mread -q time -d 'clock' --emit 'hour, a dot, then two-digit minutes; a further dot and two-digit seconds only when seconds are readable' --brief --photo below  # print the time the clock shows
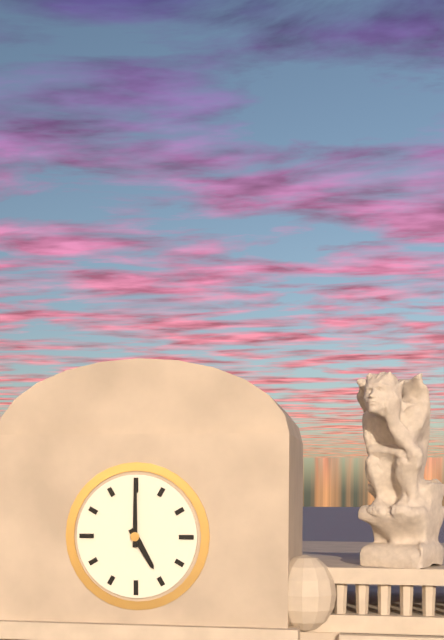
5.00
